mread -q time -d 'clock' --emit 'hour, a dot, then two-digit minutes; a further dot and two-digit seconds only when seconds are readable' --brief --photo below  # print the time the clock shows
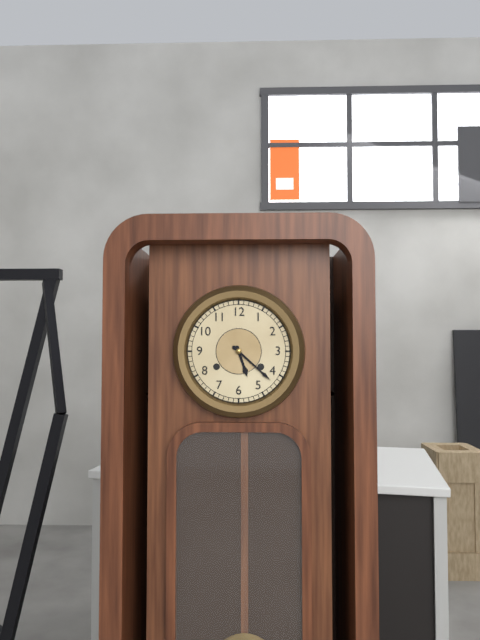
5.22
